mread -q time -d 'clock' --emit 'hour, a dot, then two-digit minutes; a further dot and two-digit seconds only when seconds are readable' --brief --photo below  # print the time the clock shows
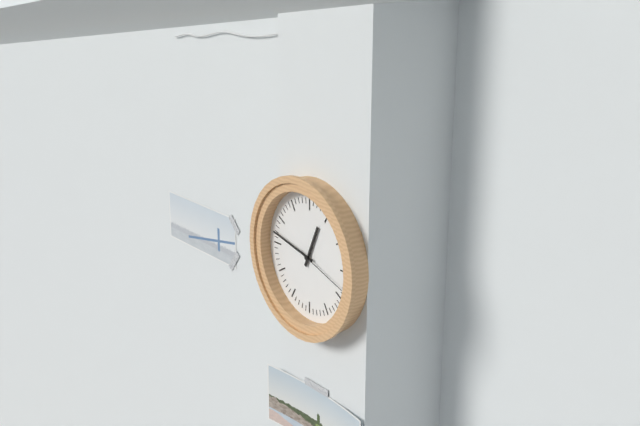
12.47.18
